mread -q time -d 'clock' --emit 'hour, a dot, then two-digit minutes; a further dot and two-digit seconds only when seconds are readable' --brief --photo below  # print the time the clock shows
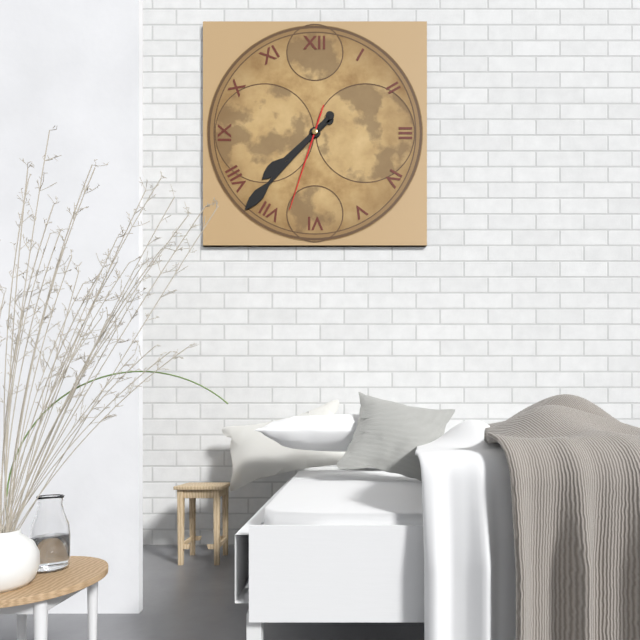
7.37.33
